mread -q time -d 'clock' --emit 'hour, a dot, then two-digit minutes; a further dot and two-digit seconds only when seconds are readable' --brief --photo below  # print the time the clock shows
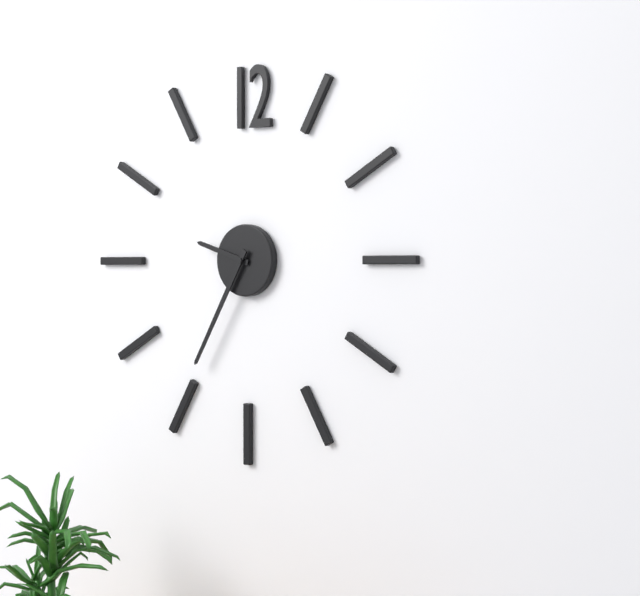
9.35
